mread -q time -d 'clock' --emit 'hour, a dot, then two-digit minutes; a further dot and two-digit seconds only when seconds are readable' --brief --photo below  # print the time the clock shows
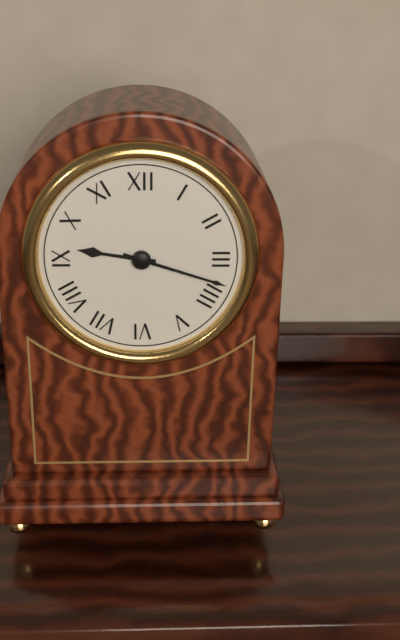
9.18
